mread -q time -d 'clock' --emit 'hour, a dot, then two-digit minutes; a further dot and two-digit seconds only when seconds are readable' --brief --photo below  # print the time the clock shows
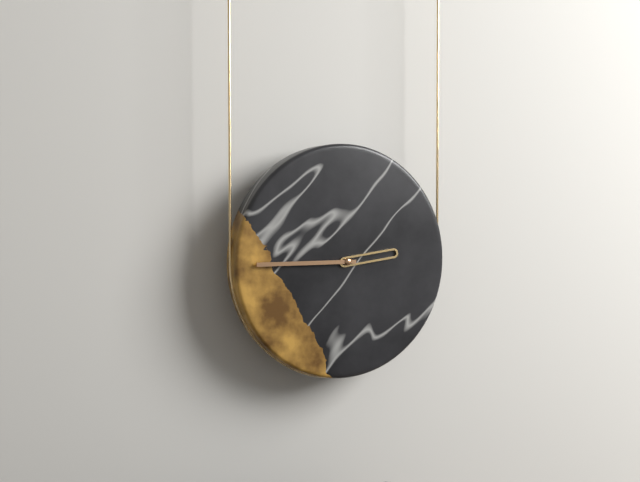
2.45
